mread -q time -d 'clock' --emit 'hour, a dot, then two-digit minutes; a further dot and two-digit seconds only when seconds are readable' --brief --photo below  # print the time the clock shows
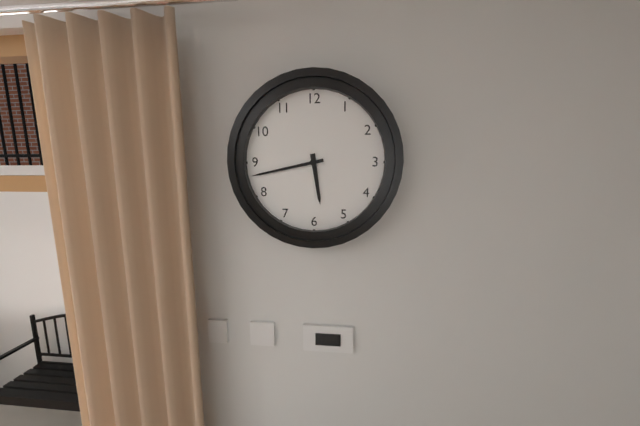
5.43
